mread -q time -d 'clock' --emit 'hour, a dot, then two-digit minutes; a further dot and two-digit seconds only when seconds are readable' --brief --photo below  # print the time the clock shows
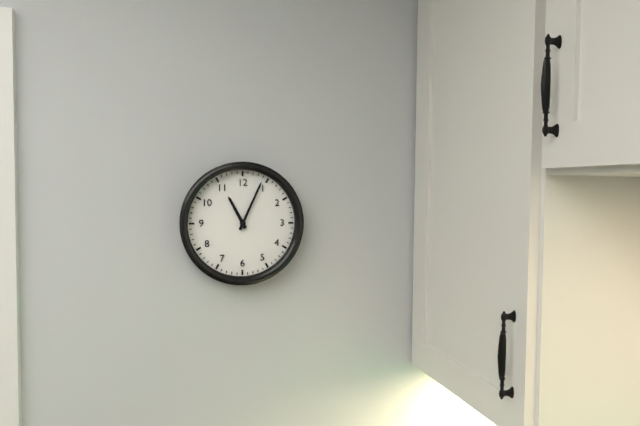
11.04
